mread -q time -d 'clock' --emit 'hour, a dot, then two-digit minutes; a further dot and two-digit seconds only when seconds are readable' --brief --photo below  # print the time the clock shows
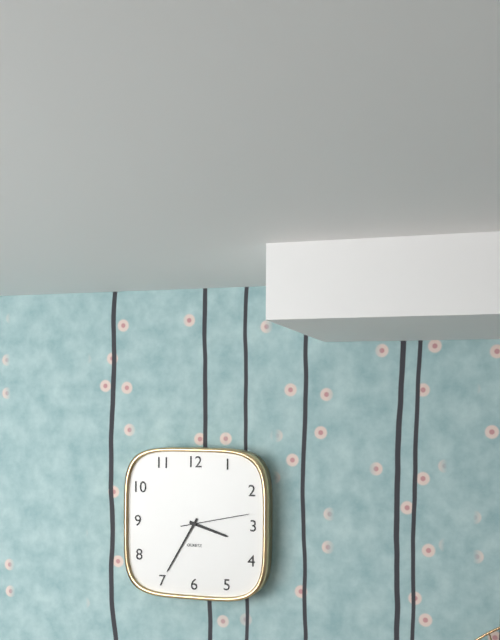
3.35.13
